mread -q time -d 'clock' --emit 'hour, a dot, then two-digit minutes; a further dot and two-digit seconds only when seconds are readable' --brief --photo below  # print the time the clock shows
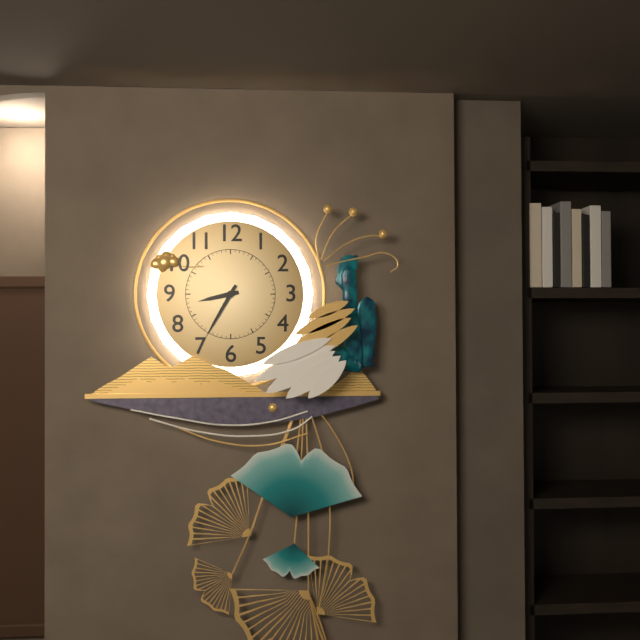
8.35
